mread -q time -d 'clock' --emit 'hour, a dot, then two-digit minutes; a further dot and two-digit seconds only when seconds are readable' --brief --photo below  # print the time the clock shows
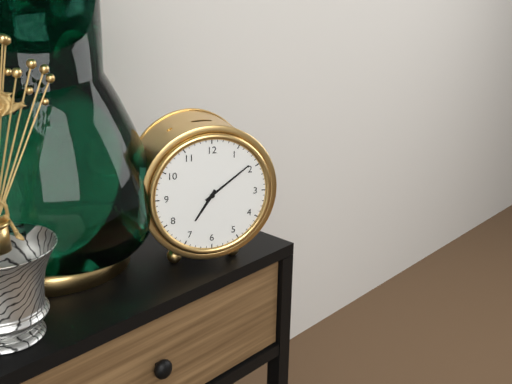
7.09
